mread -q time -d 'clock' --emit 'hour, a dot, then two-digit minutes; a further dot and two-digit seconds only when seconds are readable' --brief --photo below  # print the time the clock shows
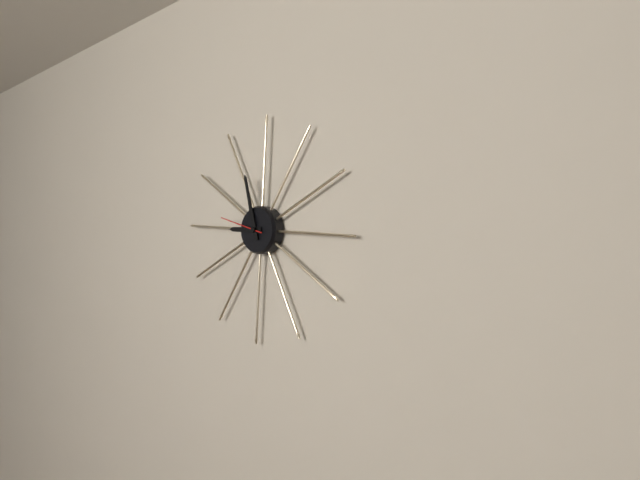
8.57.47
